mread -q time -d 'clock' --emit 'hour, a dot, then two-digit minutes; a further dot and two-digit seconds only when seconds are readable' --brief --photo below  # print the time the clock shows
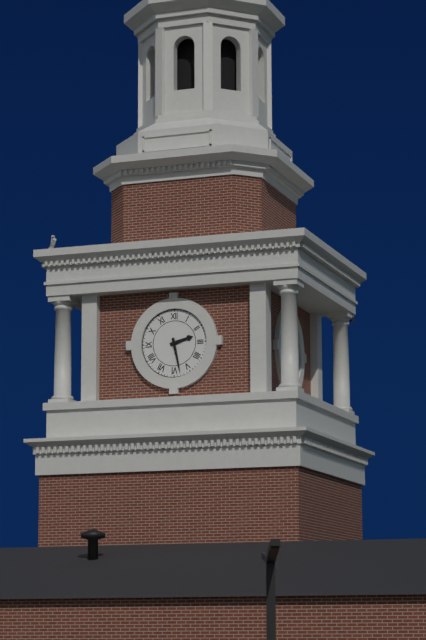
2.28
